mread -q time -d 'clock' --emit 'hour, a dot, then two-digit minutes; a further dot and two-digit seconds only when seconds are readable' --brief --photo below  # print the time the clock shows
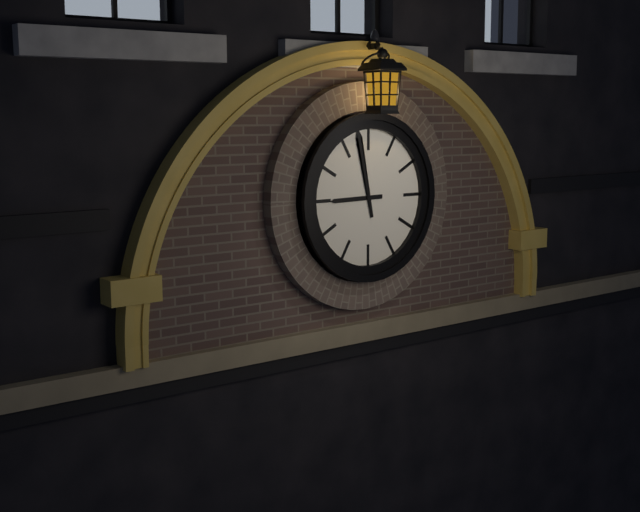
8.58
